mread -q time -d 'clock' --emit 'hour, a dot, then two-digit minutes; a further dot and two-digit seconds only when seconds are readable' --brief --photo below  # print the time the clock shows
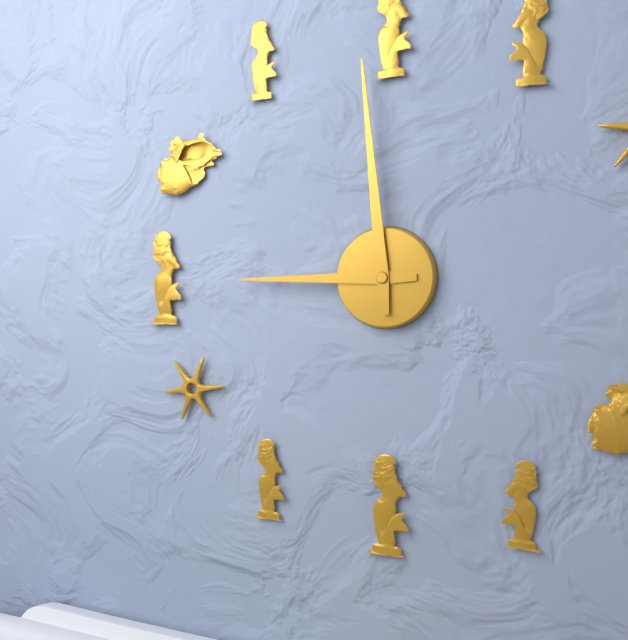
8.59
